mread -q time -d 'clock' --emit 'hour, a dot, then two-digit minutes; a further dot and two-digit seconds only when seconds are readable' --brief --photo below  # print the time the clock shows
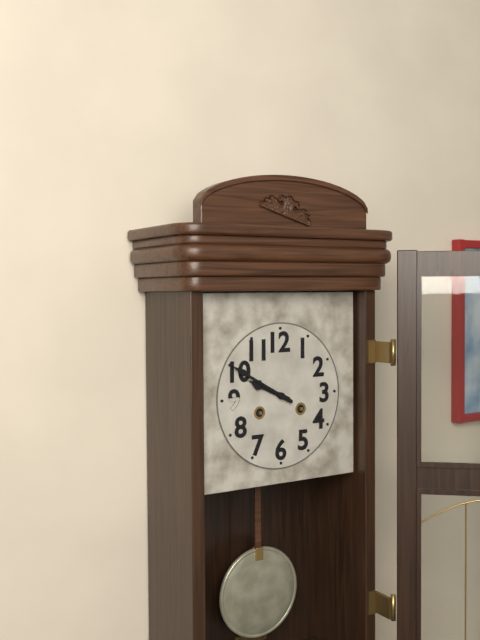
9.50
